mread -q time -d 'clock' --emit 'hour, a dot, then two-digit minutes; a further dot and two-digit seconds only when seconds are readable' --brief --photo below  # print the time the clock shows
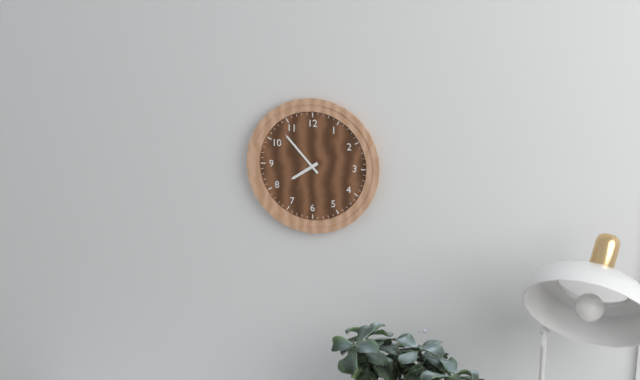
7.53
